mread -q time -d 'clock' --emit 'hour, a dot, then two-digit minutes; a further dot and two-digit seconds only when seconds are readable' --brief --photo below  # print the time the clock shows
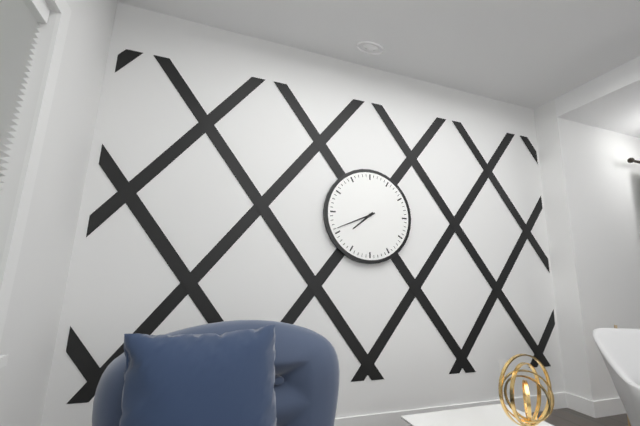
7.41
